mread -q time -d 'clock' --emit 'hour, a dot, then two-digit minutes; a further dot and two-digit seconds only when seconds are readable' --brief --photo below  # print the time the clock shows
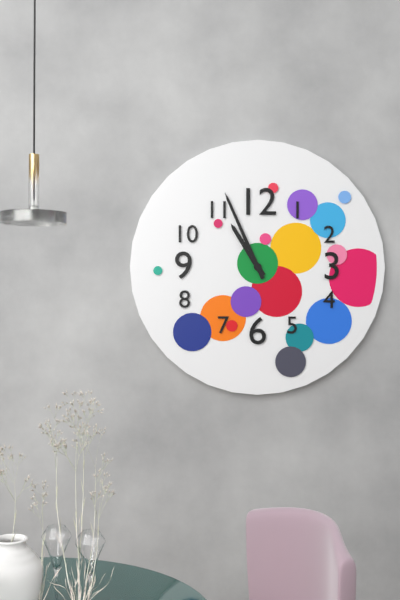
10.56
